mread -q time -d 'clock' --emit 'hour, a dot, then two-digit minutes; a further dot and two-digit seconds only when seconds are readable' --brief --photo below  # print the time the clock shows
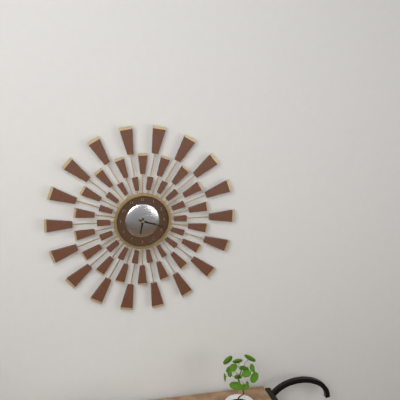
6.18
